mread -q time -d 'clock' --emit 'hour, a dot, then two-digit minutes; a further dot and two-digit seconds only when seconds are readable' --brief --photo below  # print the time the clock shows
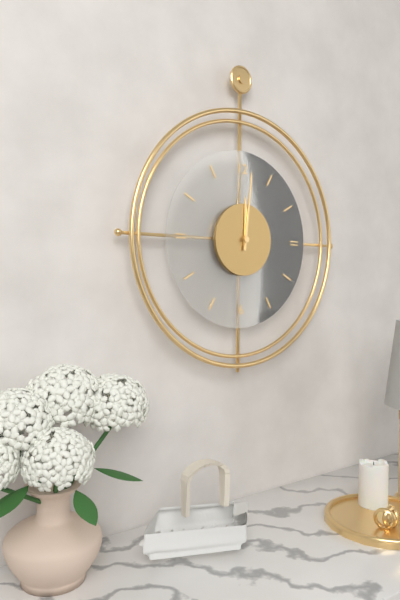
12.01
